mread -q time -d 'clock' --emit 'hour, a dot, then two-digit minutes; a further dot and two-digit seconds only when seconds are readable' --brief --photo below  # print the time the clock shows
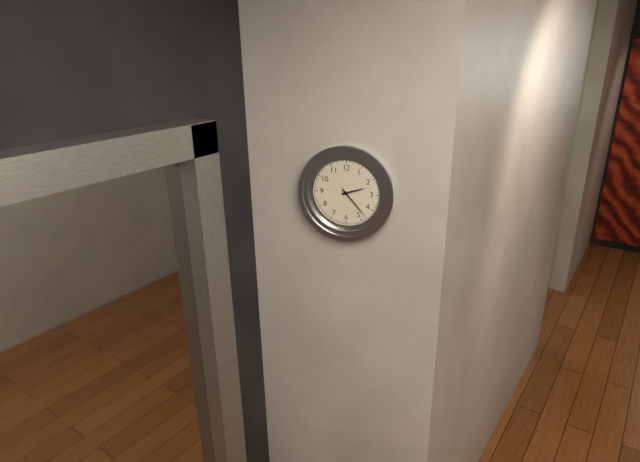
2.23
